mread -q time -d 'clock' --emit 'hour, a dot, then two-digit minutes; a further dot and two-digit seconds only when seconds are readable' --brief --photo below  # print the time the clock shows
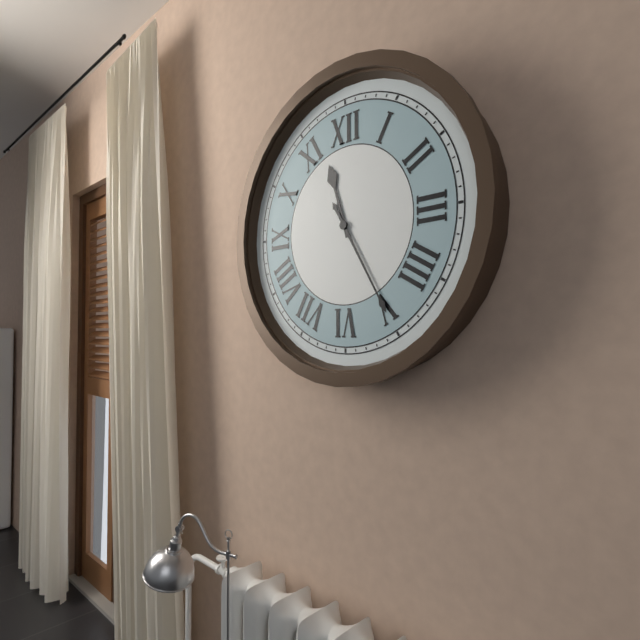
11.25
